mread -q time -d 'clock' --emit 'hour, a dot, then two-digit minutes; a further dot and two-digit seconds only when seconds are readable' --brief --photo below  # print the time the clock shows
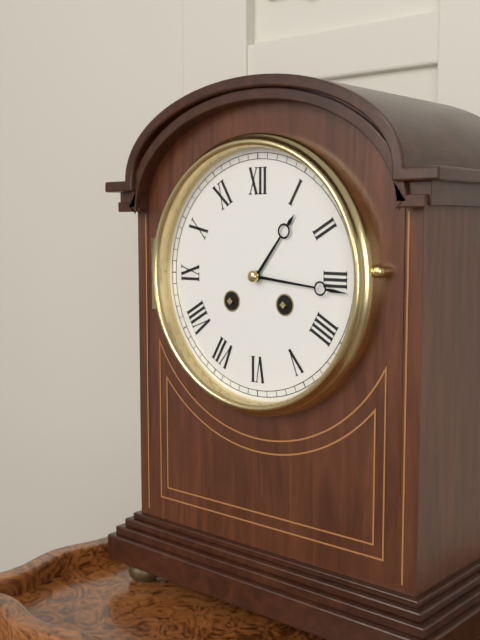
1.16
